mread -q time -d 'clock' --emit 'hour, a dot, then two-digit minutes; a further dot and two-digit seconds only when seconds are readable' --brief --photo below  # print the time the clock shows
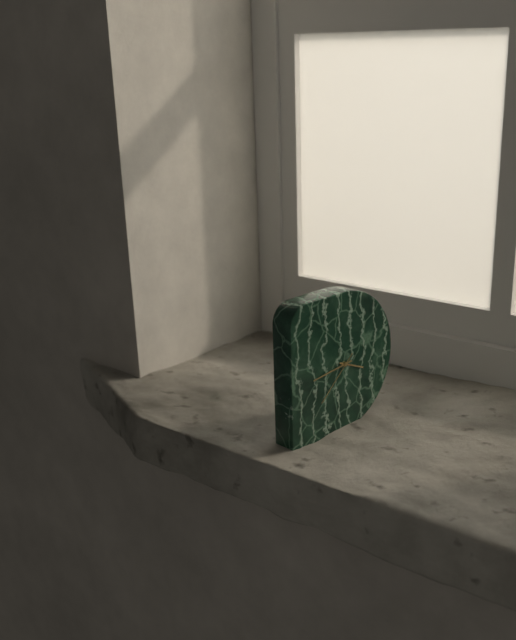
3.44.38
